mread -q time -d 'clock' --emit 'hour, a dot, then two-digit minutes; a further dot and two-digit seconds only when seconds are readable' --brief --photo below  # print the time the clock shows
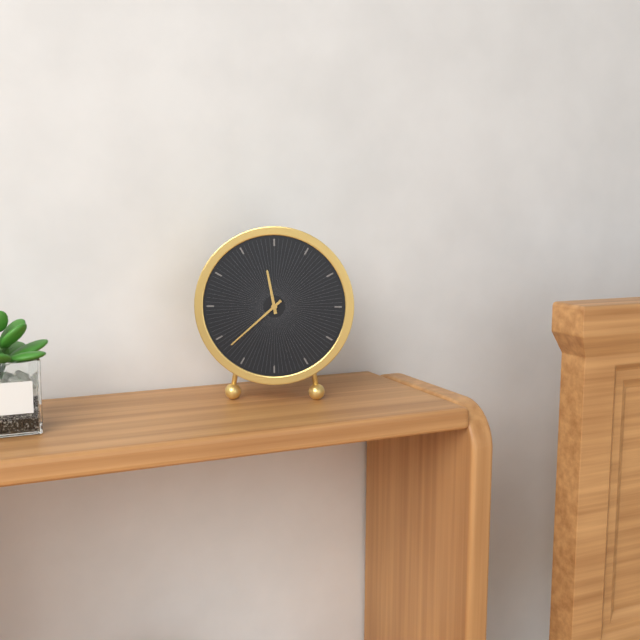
11.38
